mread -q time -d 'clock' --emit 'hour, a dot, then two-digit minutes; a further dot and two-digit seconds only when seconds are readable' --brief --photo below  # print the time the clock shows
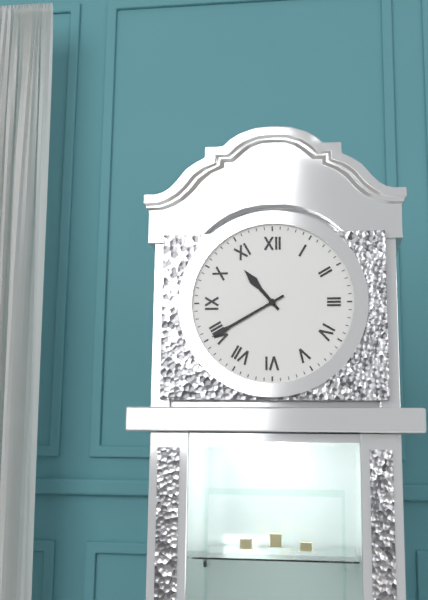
10.40
